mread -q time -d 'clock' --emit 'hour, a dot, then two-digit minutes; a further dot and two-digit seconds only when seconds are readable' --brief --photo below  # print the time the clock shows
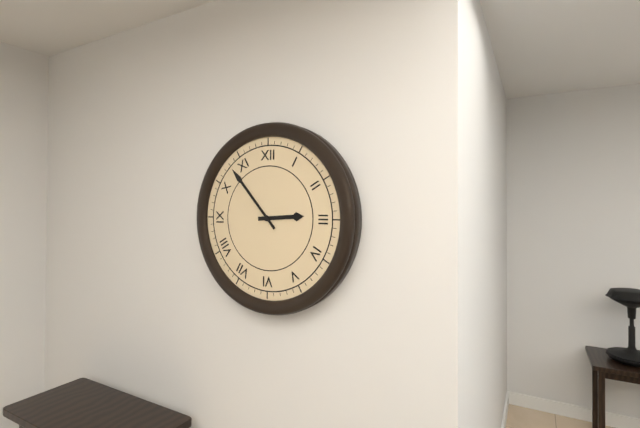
2.53
